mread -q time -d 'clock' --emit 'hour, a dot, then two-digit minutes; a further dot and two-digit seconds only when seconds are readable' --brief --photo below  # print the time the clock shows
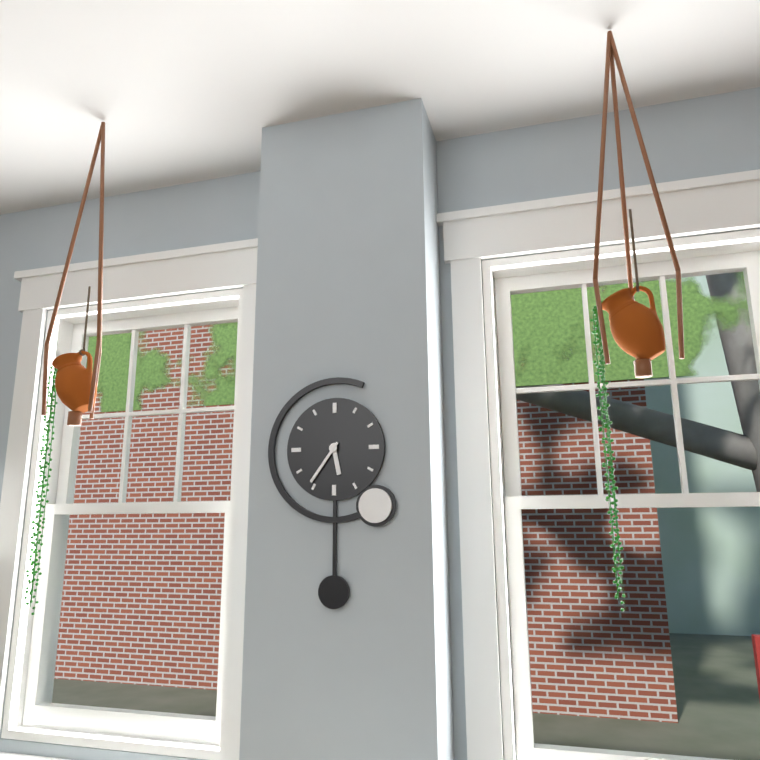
5.36
